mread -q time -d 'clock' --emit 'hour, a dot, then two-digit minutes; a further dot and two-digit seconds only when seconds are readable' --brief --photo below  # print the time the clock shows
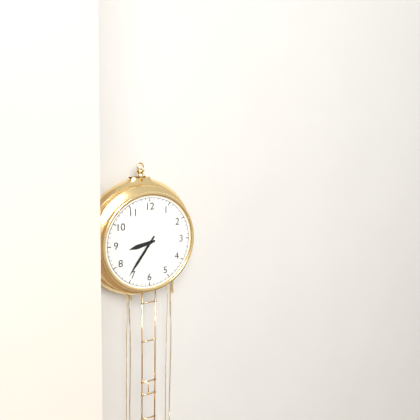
8.36
